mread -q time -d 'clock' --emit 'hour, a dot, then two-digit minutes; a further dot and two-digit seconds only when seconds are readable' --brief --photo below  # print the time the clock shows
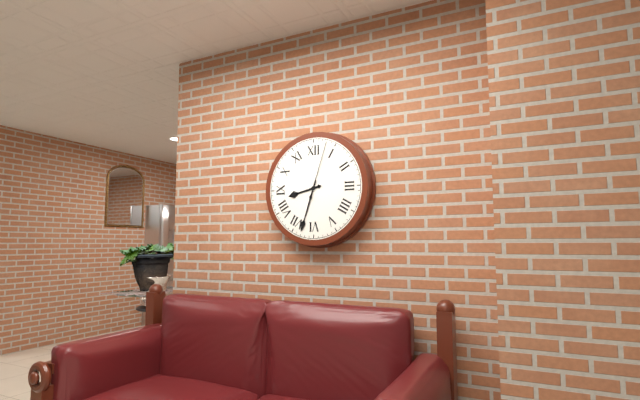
8.33.03
